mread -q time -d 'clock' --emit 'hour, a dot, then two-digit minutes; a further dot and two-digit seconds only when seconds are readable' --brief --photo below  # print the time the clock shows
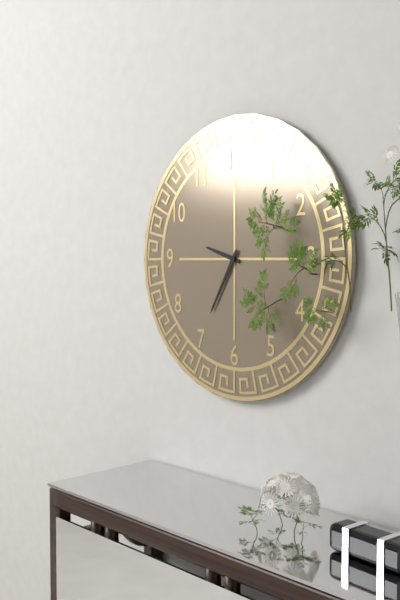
9.35
